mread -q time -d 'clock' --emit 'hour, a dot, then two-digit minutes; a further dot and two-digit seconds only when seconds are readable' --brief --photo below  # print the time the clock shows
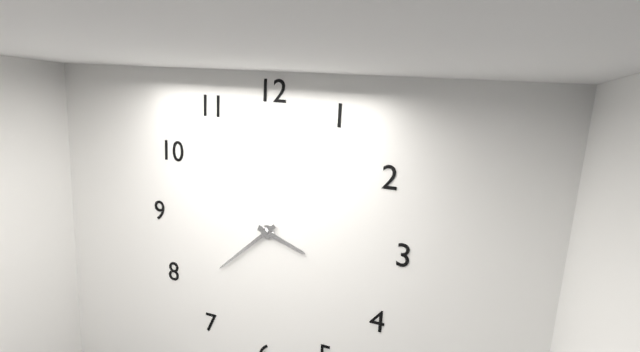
3.38
